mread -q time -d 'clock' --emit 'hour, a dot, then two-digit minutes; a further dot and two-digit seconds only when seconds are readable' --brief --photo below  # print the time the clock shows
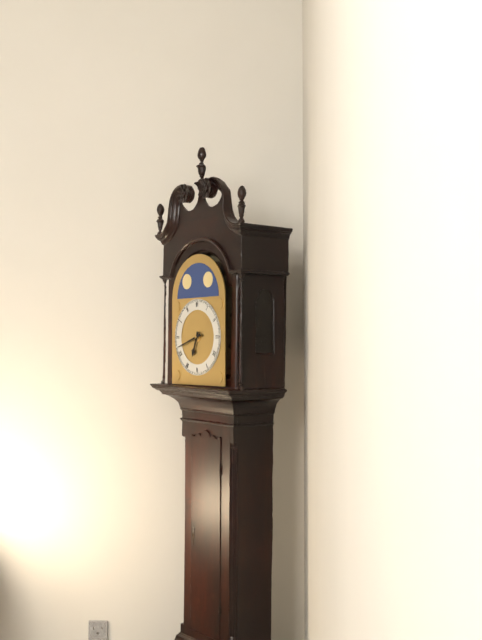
6.42
